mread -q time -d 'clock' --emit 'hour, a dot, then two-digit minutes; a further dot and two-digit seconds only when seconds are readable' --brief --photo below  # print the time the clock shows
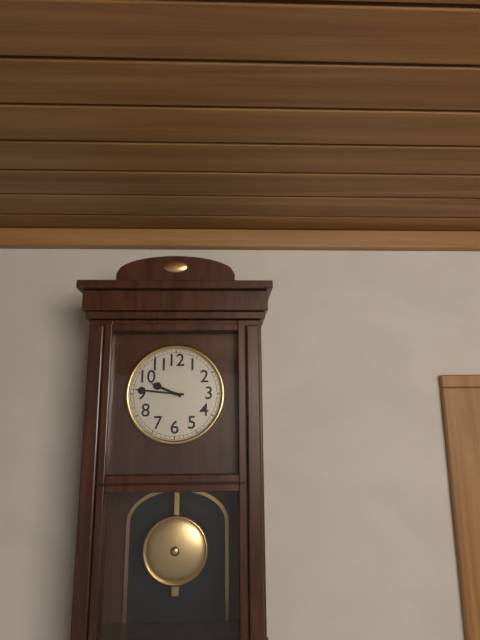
9.46
